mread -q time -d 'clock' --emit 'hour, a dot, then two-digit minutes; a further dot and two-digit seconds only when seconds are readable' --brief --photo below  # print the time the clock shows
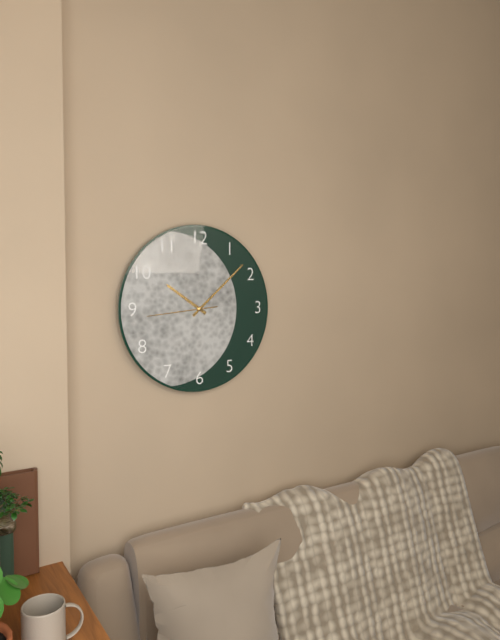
10.08.44
